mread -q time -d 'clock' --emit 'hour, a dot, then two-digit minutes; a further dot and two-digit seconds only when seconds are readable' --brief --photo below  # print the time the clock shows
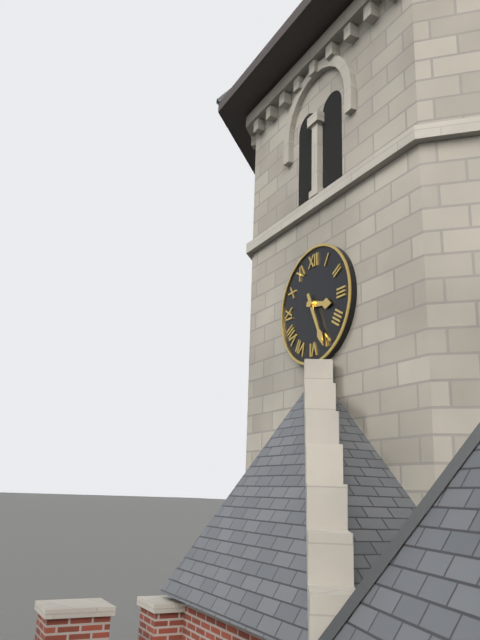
3.26
